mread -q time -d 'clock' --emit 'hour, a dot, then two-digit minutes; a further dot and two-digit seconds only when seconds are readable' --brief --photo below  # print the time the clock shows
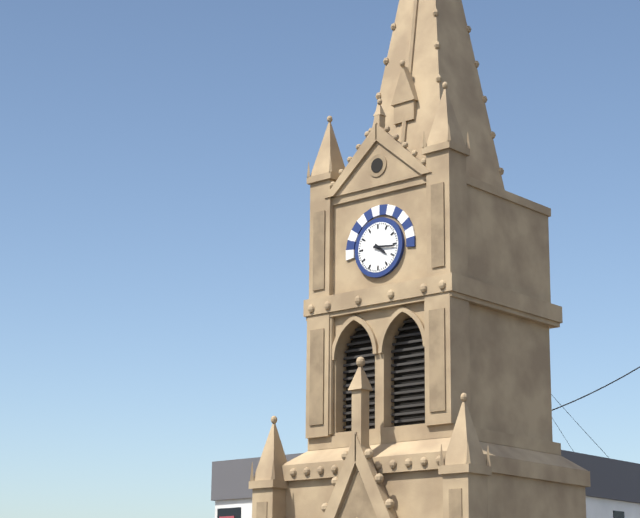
4.16
